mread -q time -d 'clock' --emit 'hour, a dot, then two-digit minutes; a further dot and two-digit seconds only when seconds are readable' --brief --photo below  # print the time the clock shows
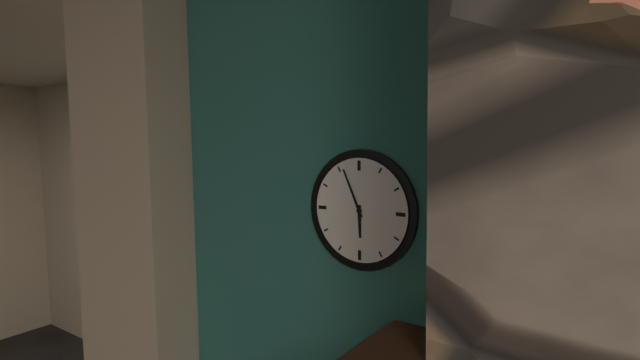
5.56
